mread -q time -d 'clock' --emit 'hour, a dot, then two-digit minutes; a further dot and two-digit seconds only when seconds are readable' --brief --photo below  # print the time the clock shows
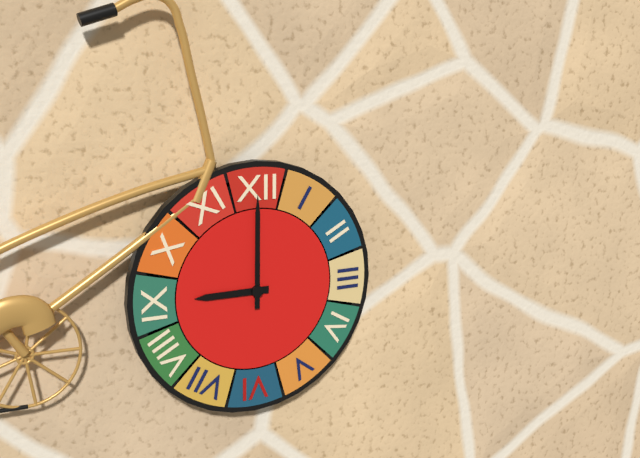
9.00
